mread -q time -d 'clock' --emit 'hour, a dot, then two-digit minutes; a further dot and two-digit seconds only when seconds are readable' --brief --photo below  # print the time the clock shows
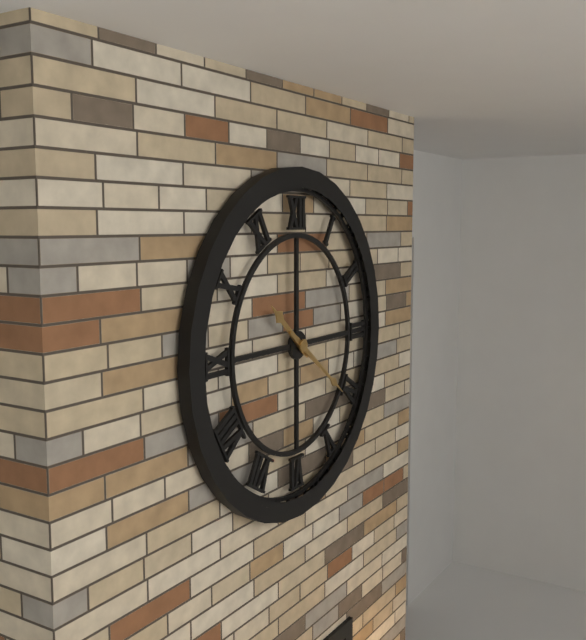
10.21
